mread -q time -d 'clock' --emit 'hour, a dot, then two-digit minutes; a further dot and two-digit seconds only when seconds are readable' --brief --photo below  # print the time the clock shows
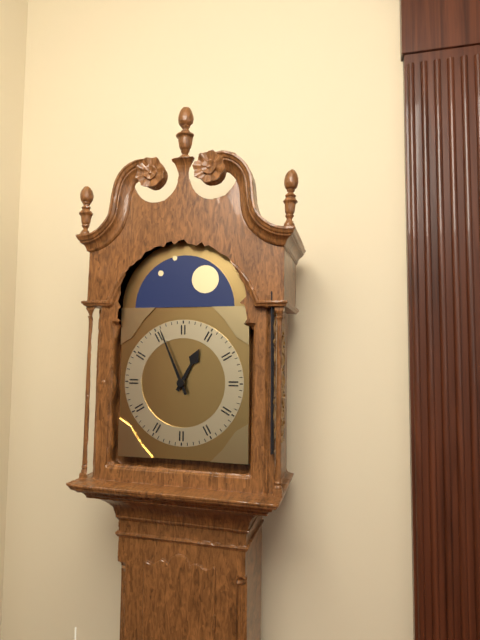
12.56
